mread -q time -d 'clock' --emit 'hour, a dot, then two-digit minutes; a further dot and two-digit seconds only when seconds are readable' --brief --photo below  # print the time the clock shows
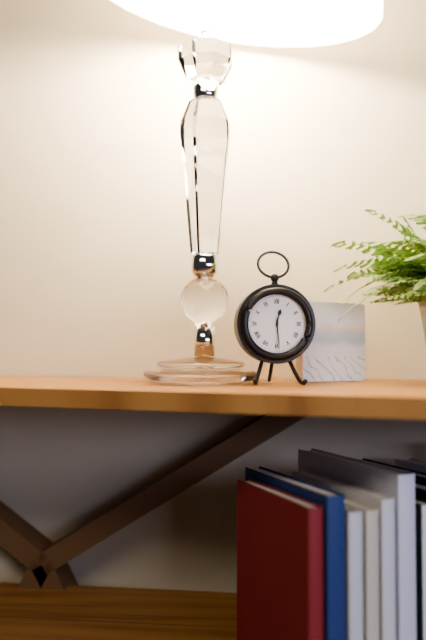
12.29
